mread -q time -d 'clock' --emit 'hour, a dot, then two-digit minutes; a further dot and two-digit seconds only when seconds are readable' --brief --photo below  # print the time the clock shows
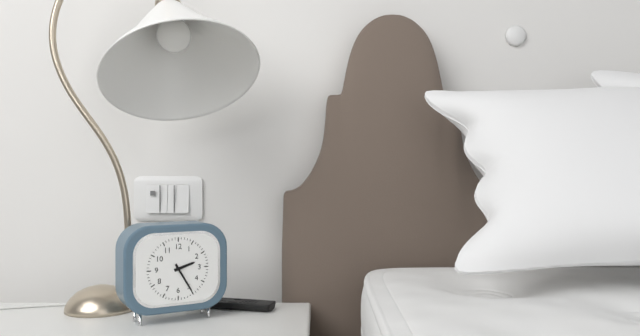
2.25
